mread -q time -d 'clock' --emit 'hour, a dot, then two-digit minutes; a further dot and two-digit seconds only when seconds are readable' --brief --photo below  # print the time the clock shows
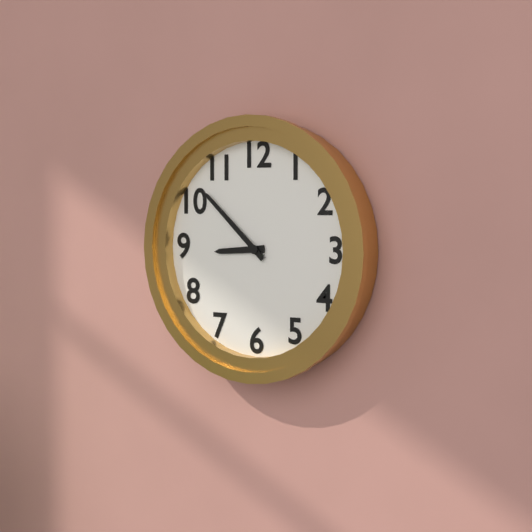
8.52
